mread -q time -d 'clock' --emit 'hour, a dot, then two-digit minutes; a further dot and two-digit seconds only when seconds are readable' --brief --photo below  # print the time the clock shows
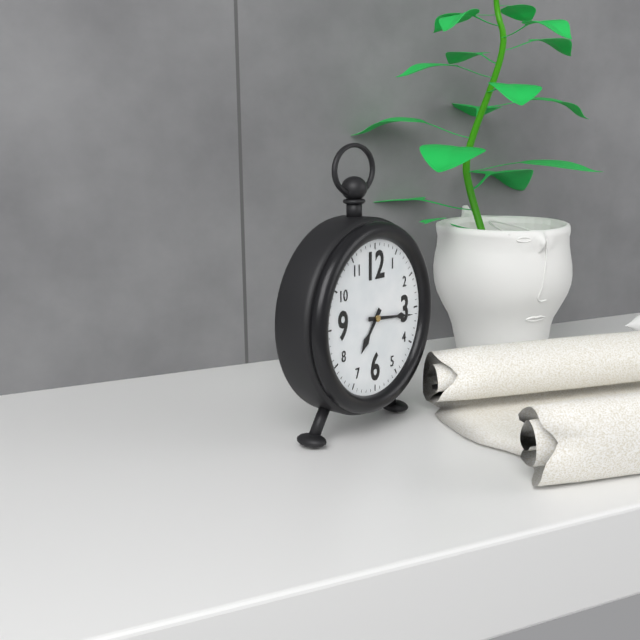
7.16
